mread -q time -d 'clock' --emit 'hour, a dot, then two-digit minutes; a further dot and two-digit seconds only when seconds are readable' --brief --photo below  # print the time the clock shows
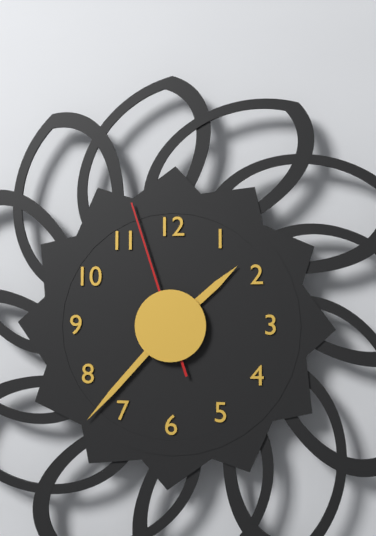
1.37.57
